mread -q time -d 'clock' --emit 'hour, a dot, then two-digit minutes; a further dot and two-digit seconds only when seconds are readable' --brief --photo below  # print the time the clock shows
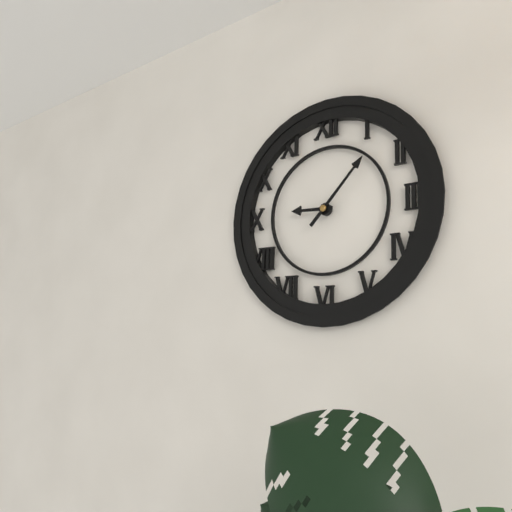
9.07
